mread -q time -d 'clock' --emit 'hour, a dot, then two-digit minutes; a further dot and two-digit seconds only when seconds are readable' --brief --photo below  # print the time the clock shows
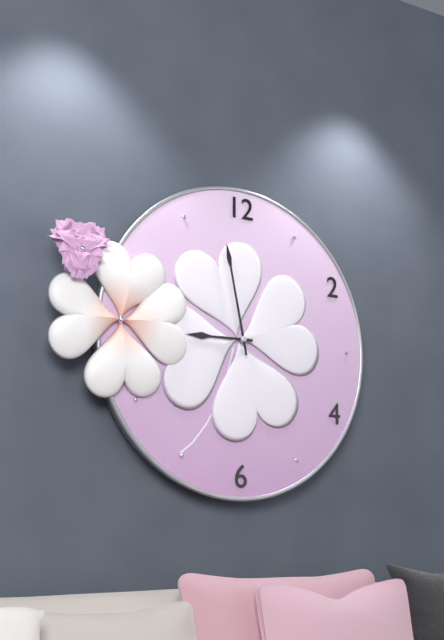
8.58
